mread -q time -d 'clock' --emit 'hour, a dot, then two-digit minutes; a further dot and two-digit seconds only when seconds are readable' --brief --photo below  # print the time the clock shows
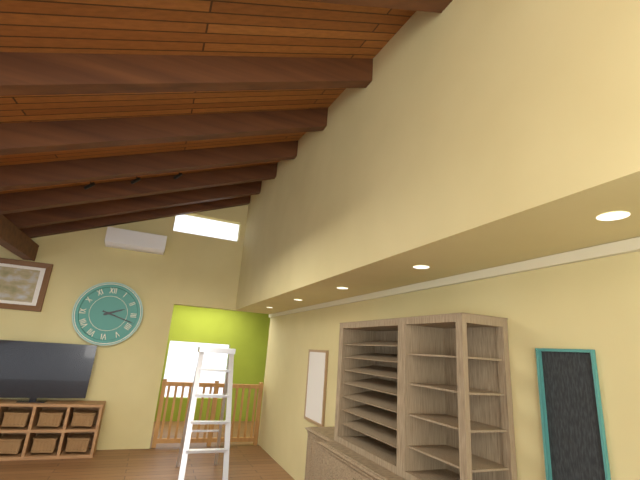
2.18
